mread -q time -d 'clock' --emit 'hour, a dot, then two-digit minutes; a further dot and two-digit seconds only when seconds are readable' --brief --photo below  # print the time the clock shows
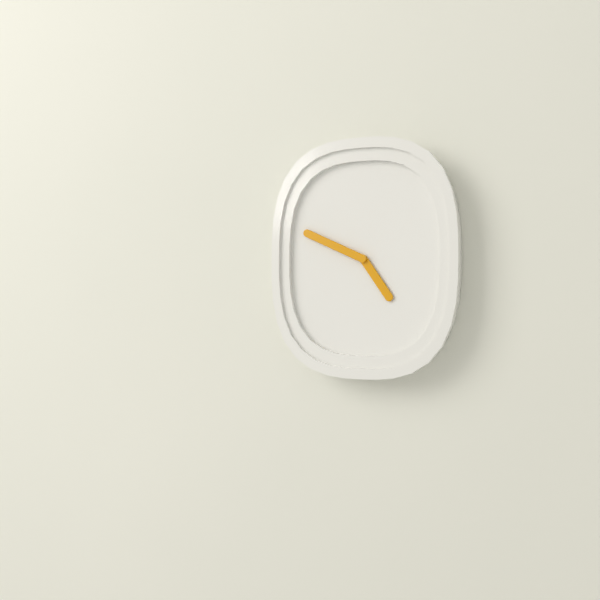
4.49
